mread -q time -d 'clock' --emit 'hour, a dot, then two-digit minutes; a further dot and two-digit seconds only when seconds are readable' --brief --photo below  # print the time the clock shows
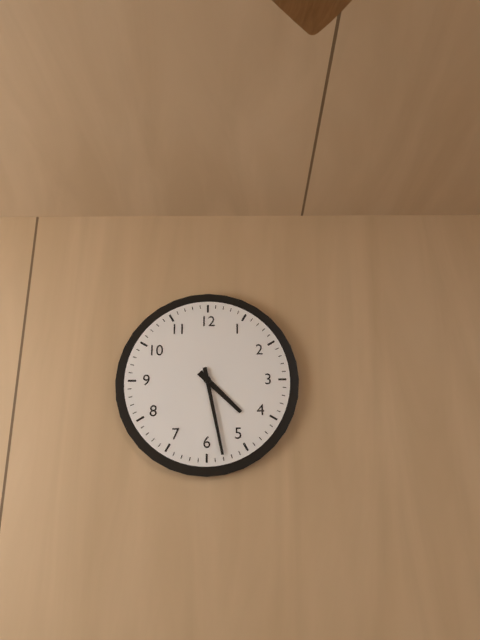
4.28
